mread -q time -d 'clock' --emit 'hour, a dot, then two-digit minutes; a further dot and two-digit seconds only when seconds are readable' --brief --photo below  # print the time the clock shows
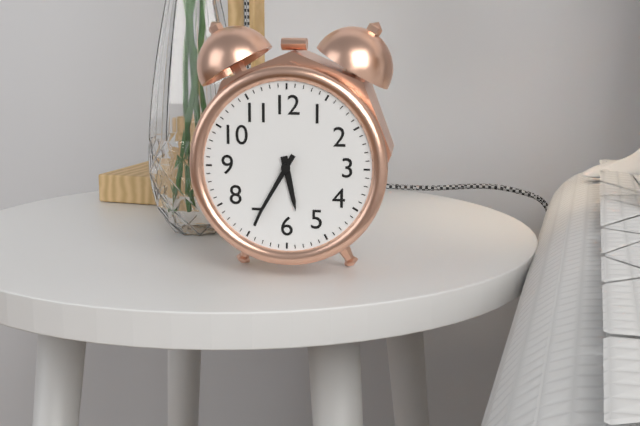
5.35
